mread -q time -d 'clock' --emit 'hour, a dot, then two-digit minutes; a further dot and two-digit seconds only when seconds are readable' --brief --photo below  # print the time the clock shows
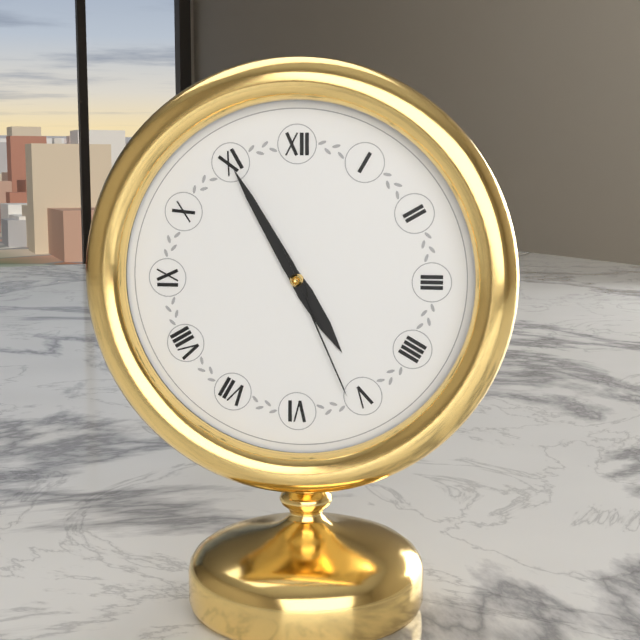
4.55.26
